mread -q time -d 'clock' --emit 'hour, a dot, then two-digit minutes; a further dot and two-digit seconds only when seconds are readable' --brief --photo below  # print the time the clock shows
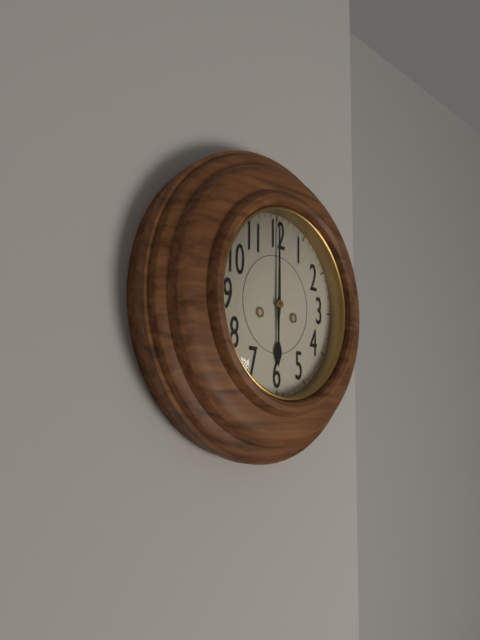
6.00
